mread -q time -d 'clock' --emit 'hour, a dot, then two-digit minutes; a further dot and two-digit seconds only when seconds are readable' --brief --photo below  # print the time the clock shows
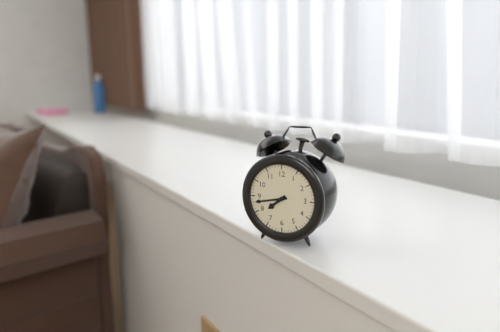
7.43
